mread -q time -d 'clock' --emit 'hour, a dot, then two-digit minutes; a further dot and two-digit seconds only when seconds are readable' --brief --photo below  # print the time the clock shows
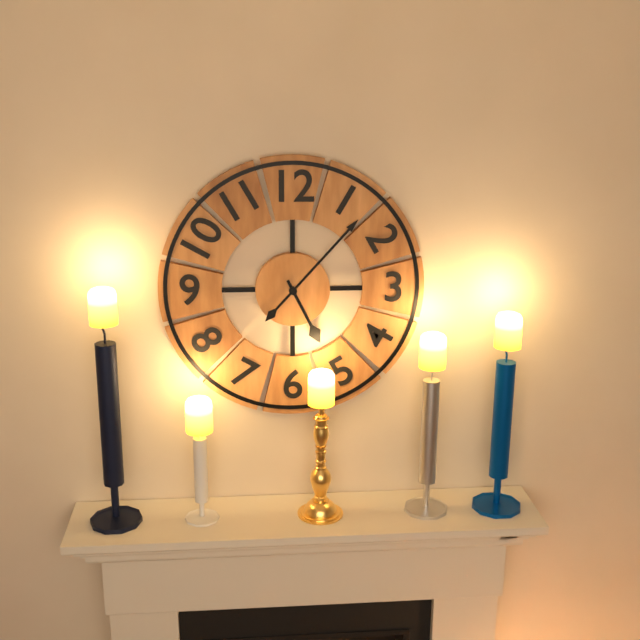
5.07
